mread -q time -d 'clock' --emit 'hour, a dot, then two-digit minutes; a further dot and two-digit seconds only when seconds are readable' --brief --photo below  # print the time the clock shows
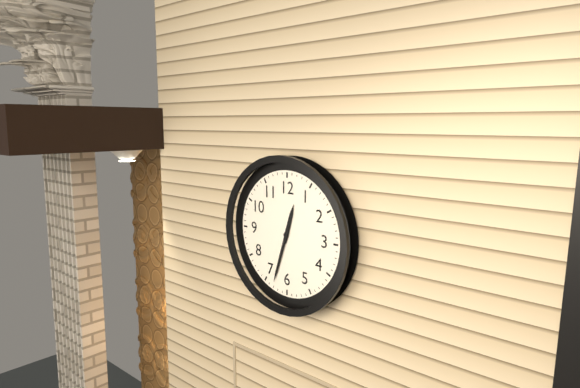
12.33
